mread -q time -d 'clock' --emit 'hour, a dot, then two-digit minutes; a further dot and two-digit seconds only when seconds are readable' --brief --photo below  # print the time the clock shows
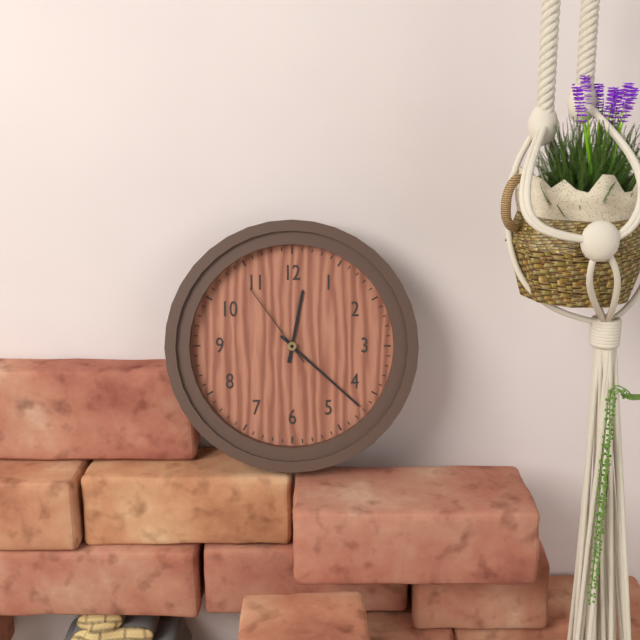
12.22.54
